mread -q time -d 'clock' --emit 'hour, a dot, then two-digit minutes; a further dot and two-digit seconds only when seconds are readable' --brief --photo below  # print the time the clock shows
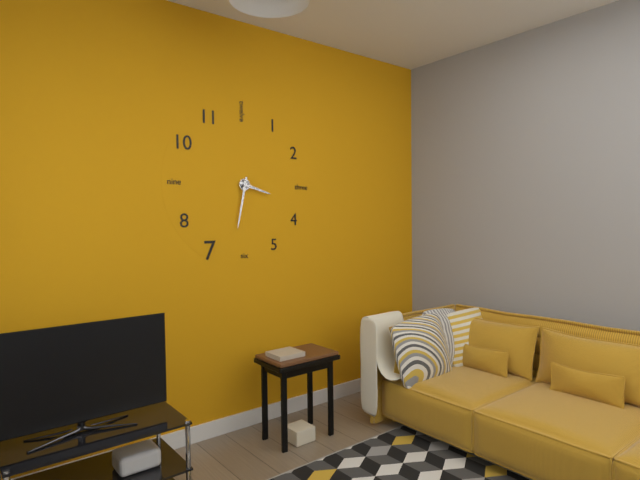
3.32
